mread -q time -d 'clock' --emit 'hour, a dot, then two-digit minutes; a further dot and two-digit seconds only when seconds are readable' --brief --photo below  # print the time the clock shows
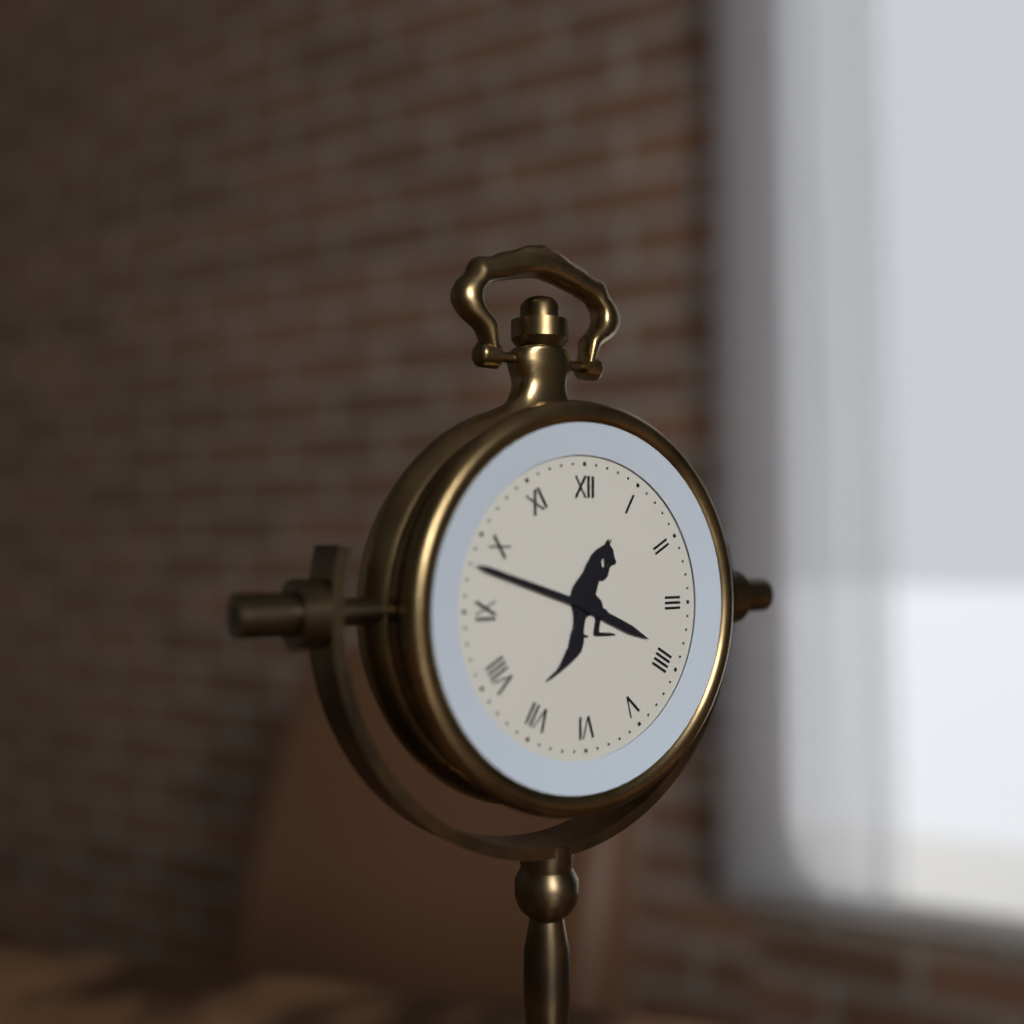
3.48
